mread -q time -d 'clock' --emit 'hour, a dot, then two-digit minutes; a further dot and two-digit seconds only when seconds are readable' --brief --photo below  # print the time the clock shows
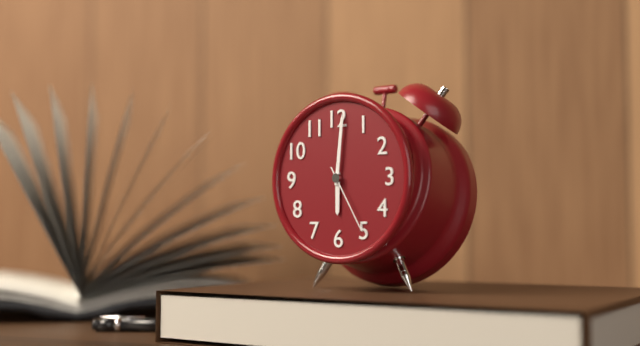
6.01.25
